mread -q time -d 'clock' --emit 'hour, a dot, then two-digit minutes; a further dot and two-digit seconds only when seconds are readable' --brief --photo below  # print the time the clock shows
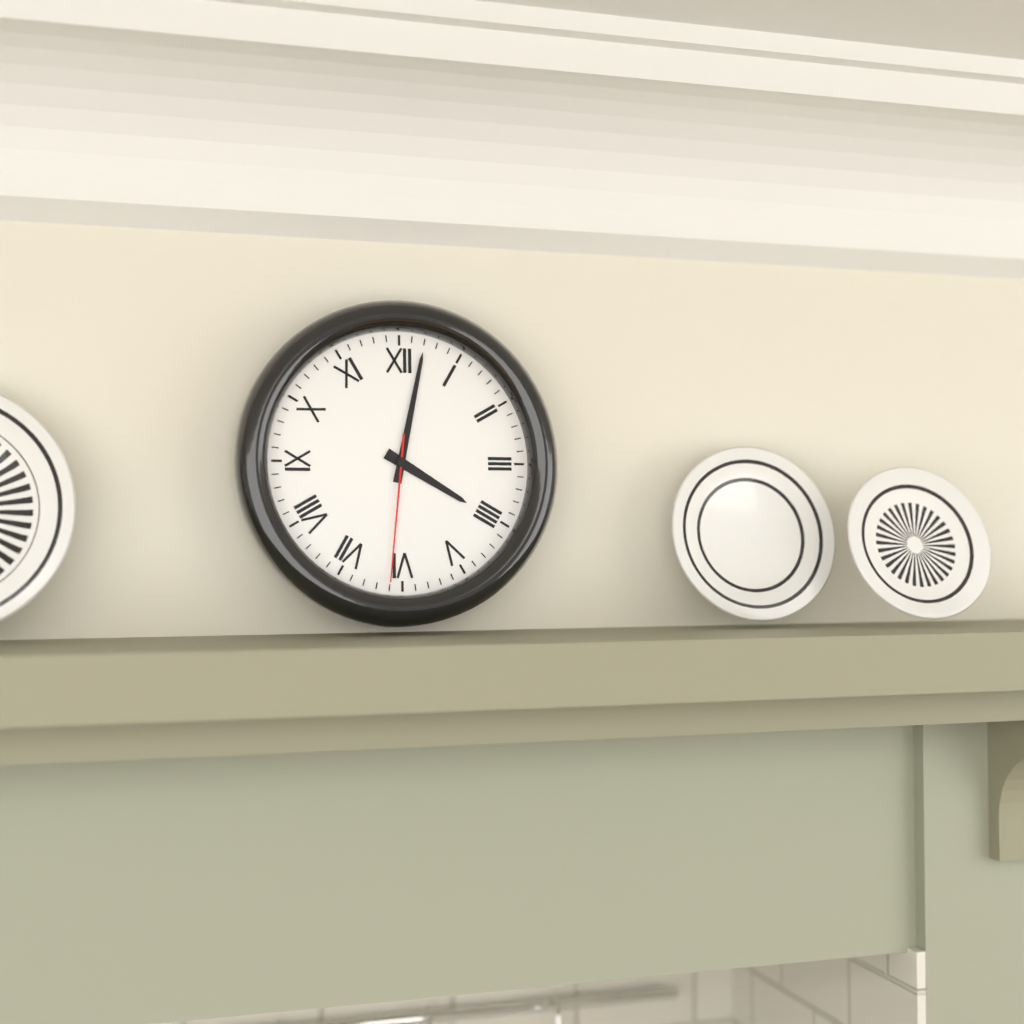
4.02.31
